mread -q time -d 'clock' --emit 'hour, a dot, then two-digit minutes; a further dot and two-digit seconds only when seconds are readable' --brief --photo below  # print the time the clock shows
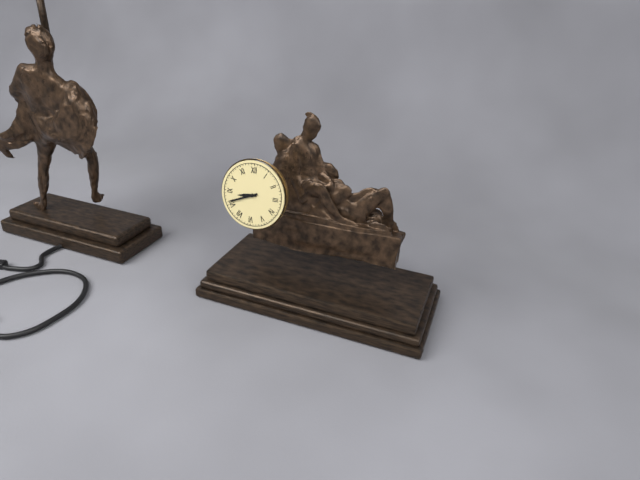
8.41
